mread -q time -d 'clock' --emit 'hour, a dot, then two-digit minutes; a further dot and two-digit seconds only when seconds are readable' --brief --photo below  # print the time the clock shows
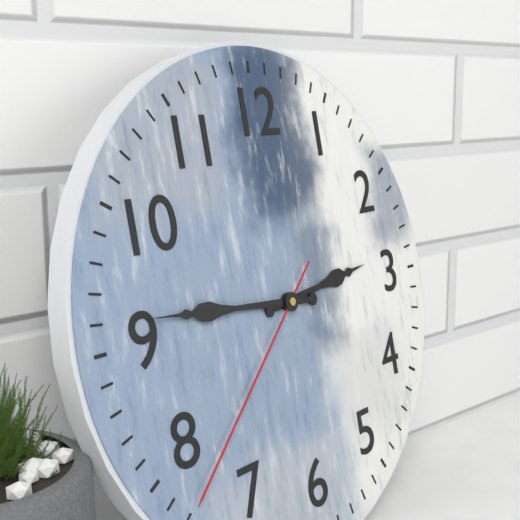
2.46.38
